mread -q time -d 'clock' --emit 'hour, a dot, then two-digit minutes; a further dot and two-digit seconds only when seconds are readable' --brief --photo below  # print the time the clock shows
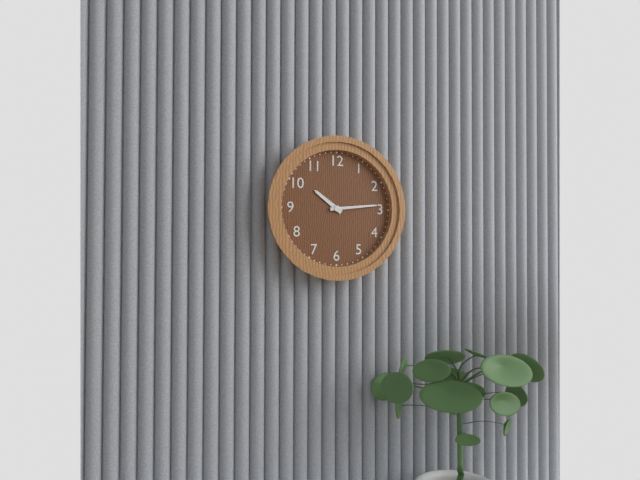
10.14
